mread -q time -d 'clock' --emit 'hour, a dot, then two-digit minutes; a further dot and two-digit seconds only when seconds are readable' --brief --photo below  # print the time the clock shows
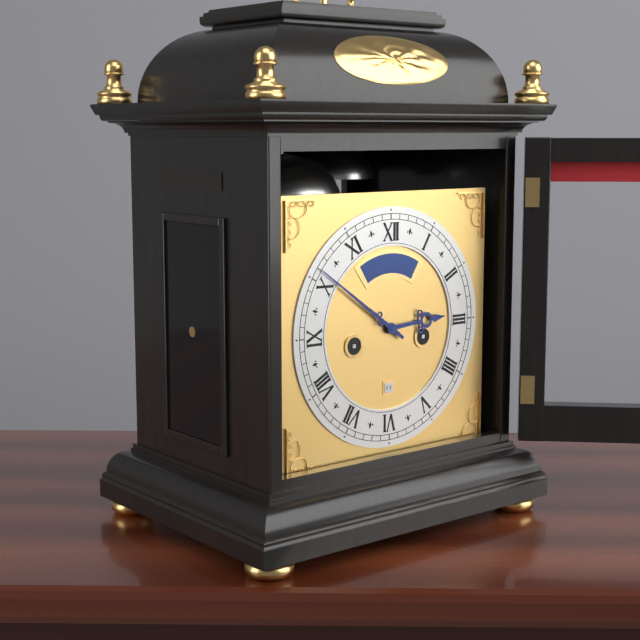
2.51
